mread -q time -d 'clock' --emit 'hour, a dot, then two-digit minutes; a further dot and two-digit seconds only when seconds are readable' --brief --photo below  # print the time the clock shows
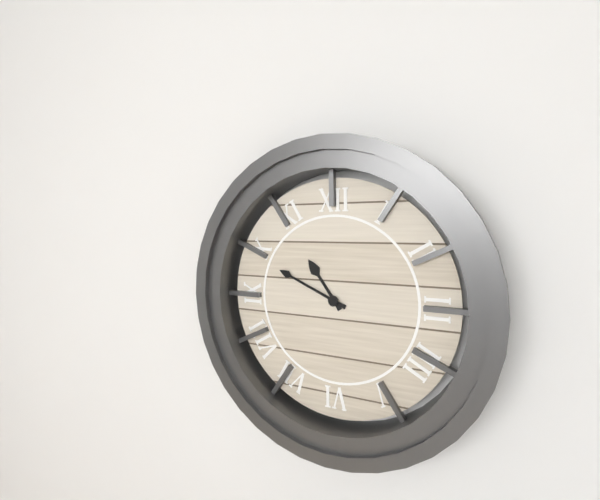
10.49
